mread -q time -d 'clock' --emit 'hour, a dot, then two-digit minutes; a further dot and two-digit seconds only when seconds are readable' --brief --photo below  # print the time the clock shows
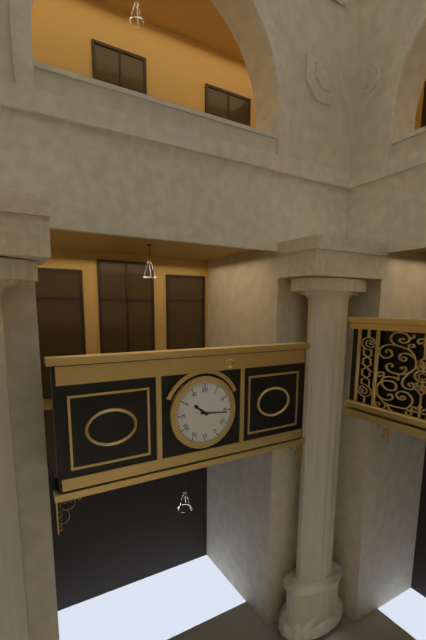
10.16
